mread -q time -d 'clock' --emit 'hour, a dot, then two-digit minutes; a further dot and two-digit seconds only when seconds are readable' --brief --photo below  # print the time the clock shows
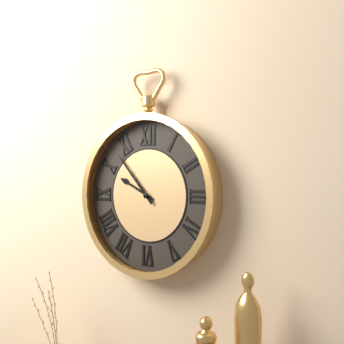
9.53
